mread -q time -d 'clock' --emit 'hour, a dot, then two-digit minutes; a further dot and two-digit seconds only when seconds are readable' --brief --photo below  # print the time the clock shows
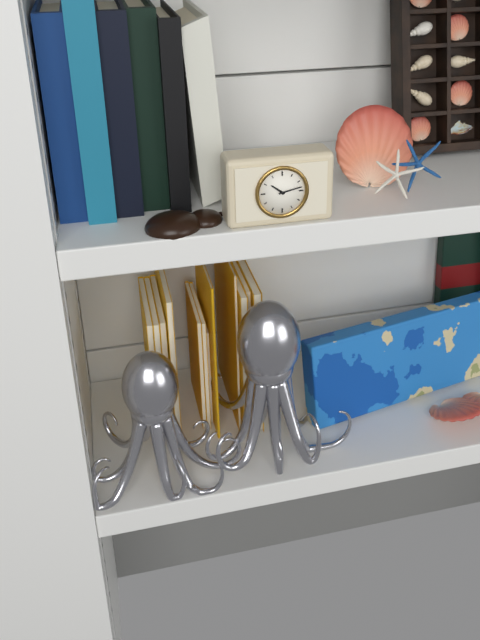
10.13
